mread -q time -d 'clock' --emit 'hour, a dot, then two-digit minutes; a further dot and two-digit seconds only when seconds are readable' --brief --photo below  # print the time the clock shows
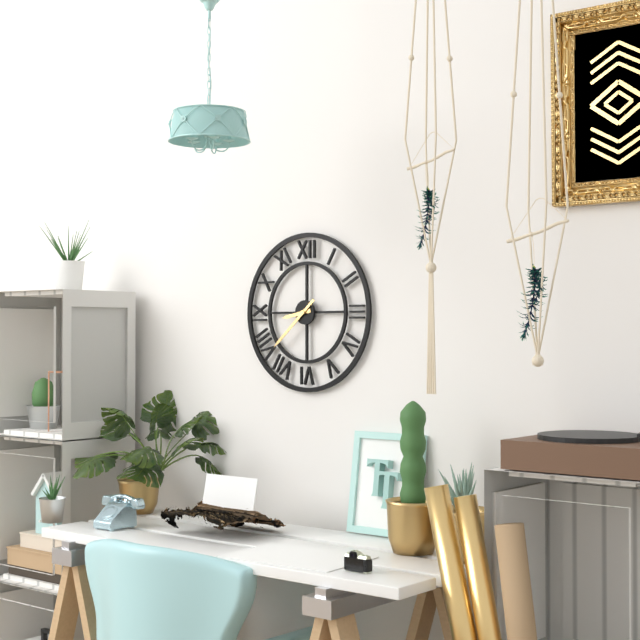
8.38
